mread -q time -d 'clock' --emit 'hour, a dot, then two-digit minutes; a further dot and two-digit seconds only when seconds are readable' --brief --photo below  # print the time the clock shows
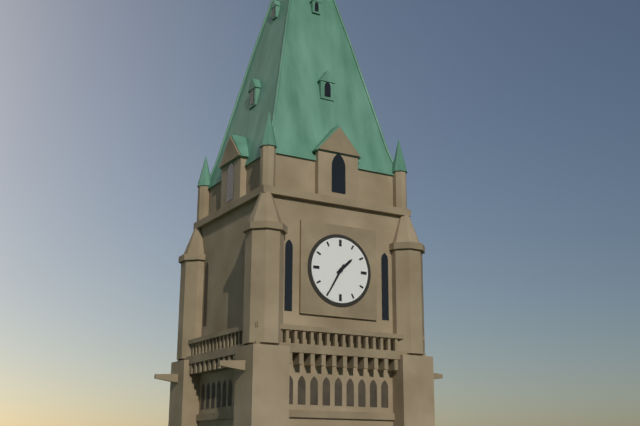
1.35
